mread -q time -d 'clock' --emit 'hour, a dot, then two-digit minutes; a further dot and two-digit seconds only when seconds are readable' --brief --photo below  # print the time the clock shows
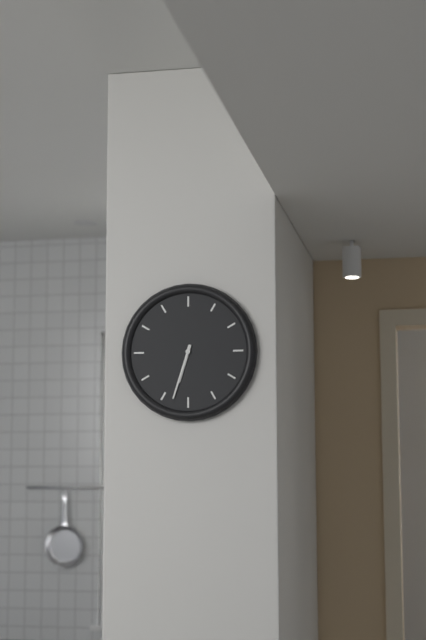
6.33
